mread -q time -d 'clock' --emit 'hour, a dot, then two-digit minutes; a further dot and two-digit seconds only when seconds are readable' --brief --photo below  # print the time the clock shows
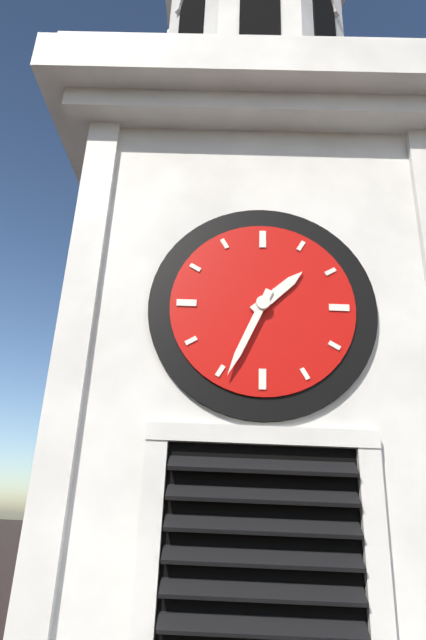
1.34
